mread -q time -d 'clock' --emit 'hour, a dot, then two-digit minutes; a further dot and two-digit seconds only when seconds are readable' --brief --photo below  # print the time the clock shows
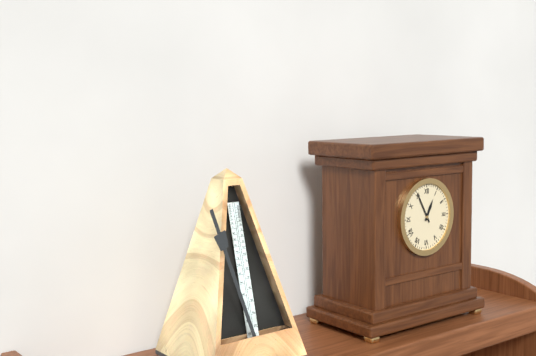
12.55
